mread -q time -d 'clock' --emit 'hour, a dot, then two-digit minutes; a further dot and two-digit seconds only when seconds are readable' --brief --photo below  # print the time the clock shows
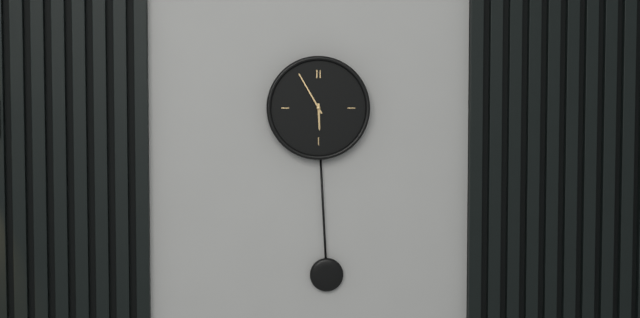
5.55
